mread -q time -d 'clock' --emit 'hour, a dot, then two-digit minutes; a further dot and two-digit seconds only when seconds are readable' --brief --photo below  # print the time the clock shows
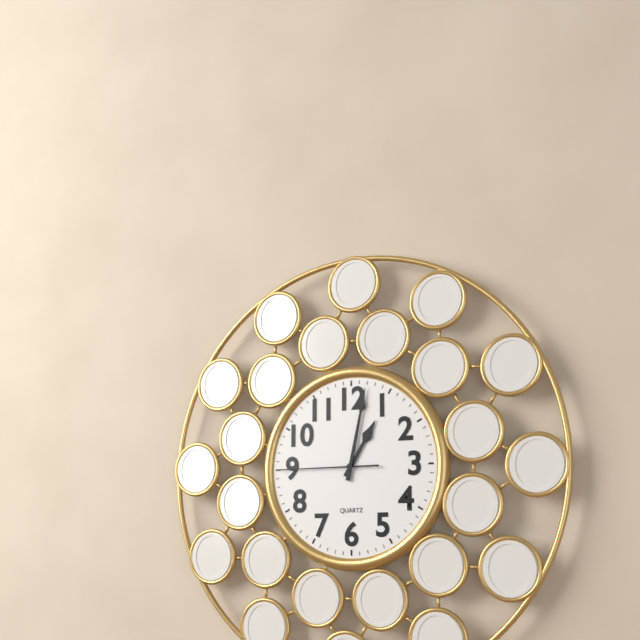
1.02.45
